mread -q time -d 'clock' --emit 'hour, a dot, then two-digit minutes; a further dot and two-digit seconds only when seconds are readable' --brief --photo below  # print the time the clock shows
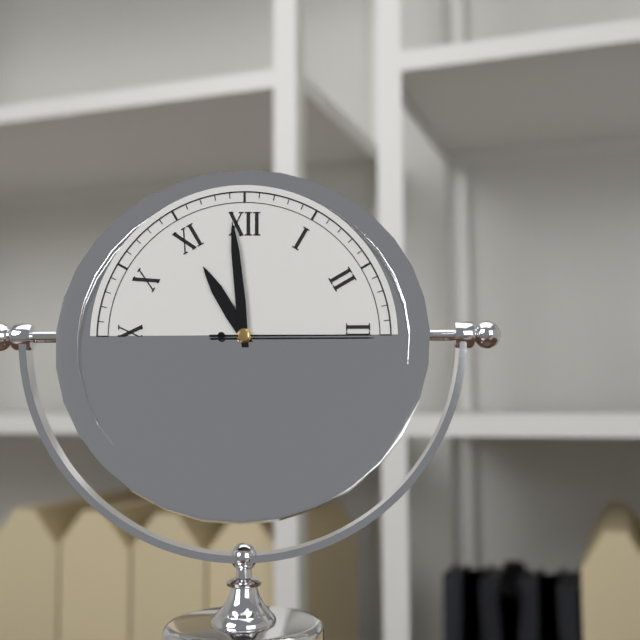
10.59.15
